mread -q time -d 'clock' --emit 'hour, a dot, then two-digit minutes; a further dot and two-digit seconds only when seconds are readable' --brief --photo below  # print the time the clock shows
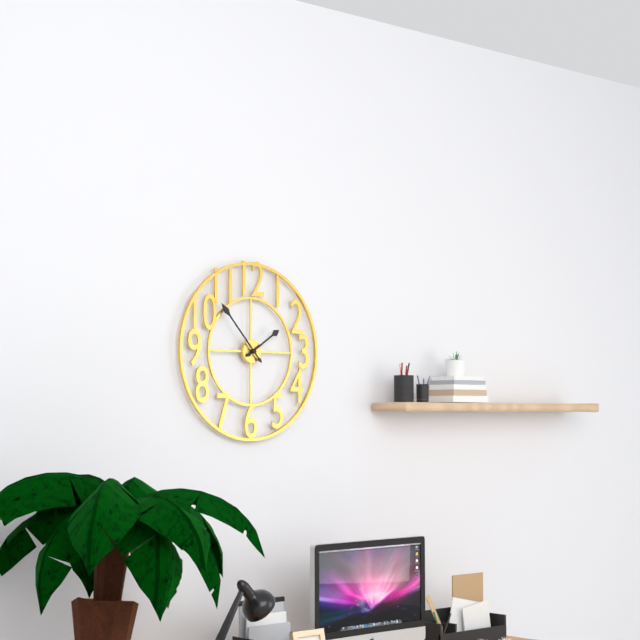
1.53
